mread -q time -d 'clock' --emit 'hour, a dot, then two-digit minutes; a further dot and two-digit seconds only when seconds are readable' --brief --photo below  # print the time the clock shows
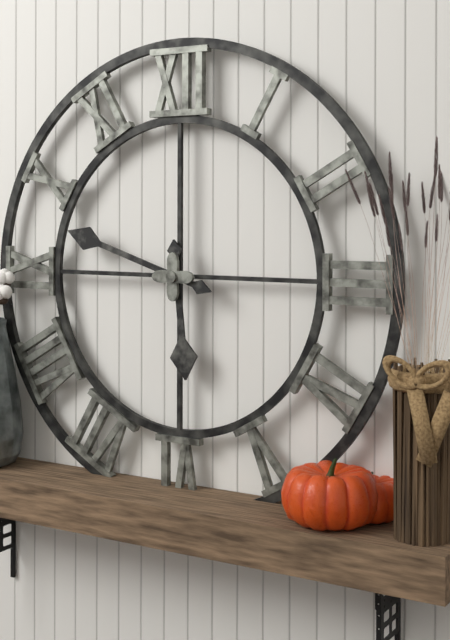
5.48
